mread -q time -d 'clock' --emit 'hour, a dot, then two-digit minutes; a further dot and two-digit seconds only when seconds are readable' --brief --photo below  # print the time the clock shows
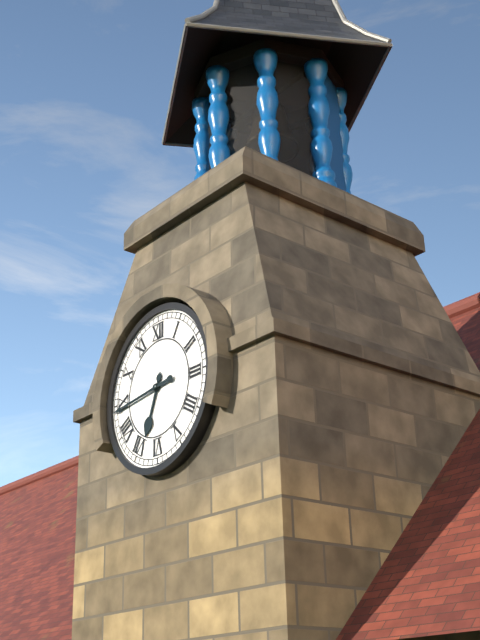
6.44
